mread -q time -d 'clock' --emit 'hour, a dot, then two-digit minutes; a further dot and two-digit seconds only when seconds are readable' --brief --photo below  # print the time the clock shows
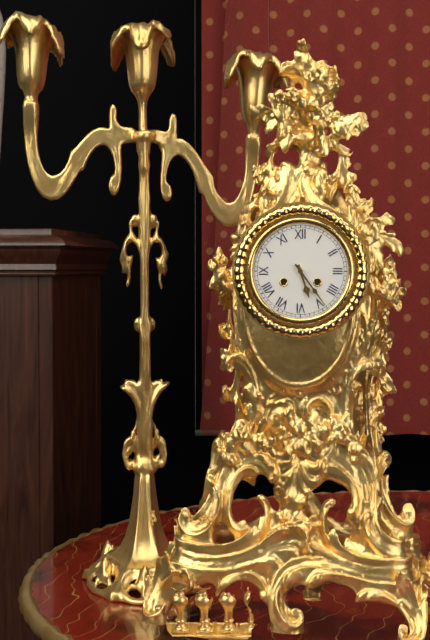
5.24
